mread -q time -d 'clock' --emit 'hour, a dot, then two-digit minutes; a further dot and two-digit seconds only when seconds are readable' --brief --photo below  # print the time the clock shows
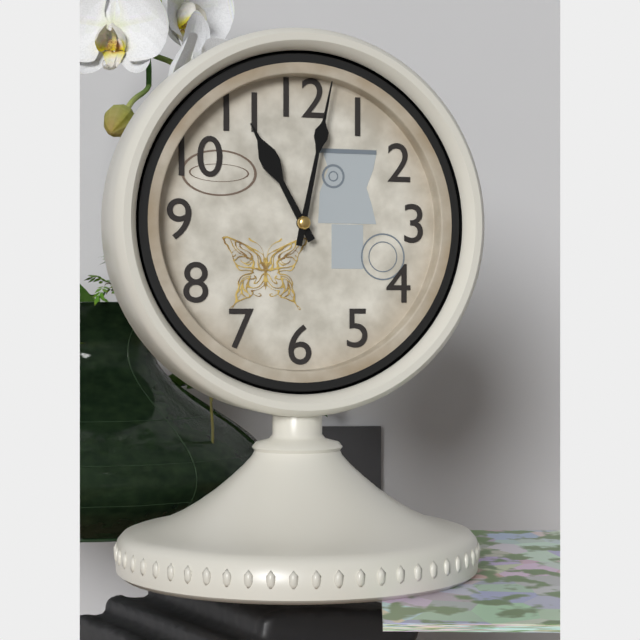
11.02
